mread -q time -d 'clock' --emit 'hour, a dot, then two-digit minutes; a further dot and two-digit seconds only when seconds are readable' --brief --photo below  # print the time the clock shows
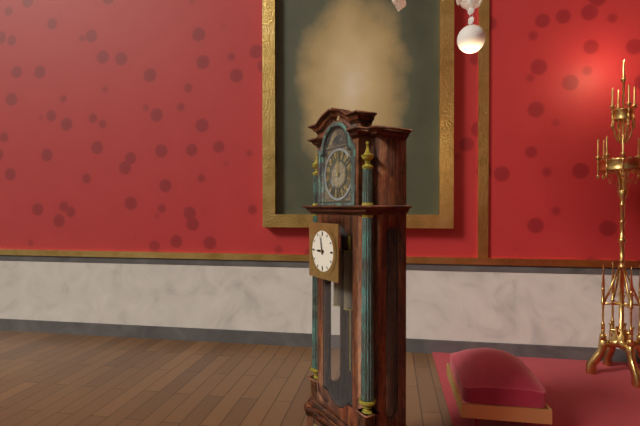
8.58
